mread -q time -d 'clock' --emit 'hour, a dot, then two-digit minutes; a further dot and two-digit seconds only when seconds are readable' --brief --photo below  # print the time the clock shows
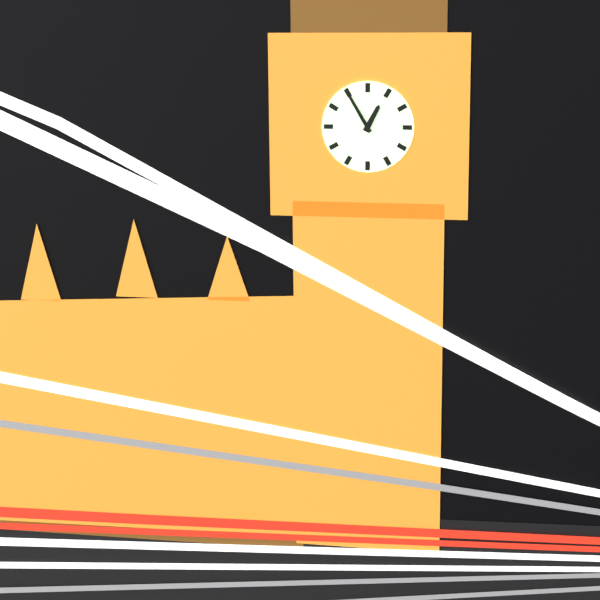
12.55
